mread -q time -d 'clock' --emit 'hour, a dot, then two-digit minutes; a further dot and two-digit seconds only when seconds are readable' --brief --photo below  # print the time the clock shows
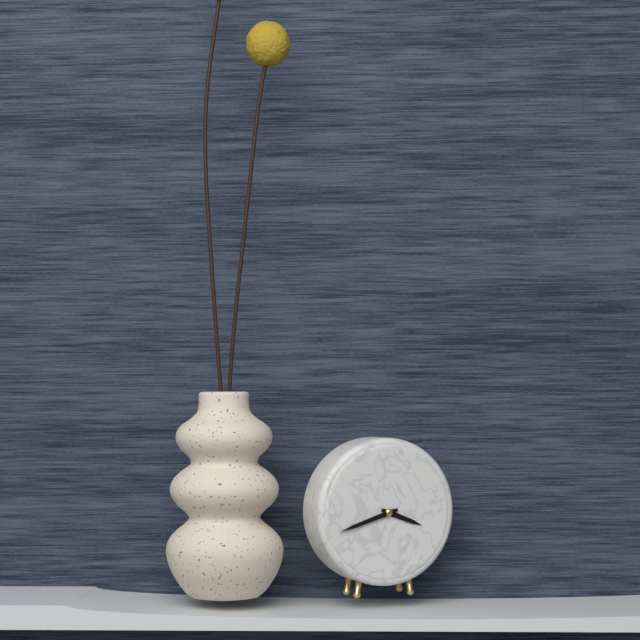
3.42
